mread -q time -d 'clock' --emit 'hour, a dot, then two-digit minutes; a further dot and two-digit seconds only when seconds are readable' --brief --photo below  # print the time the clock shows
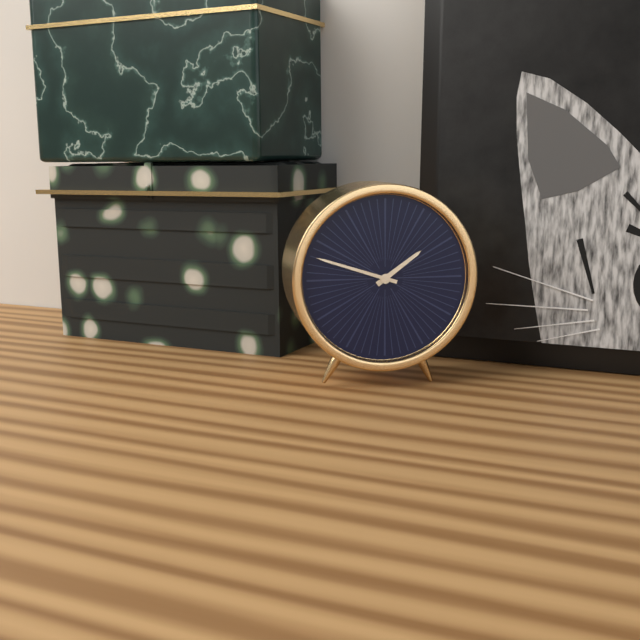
1.48
